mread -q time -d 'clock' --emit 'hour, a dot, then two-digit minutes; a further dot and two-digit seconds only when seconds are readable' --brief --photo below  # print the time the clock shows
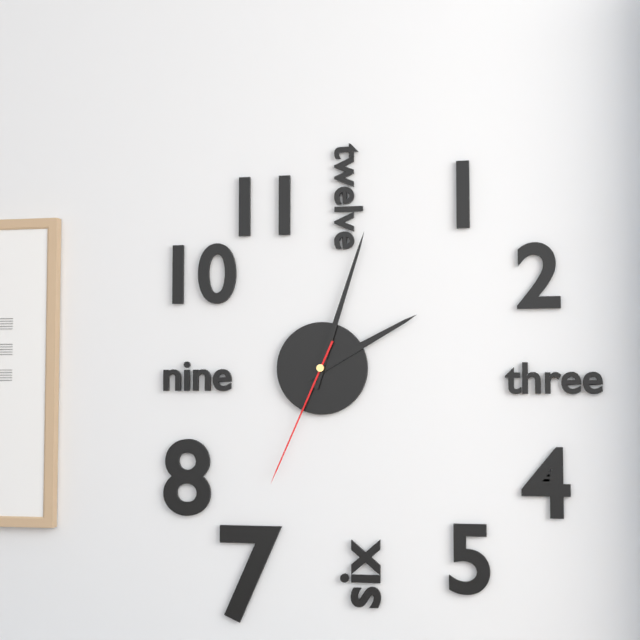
2.03.34
